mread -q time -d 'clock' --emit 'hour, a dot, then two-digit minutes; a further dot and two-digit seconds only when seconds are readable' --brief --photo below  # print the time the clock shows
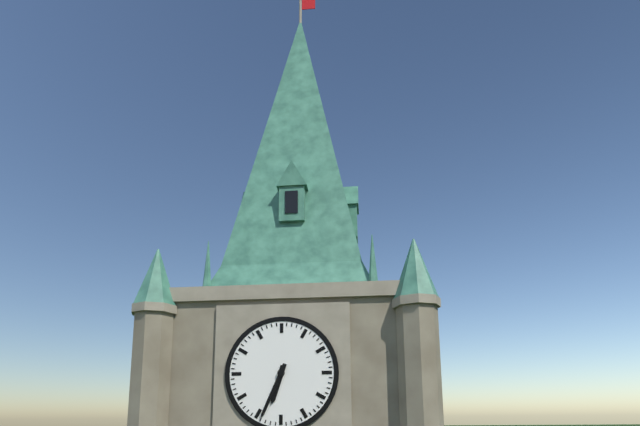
6.34
